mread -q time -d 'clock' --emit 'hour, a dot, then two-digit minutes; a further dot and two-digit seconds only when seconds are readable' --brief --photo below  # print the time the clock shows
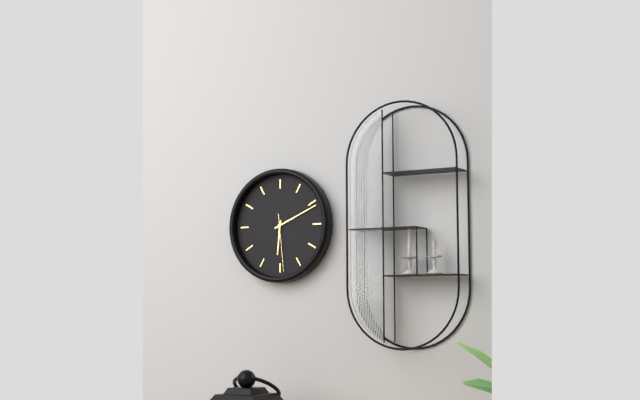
6.11.29
